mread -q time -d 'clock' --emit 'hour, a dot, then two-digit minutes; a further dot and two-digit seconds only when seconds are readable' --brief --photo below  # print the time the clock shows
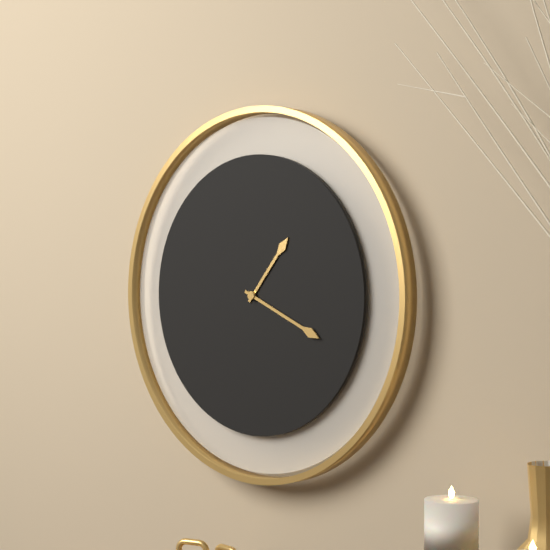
1.19
